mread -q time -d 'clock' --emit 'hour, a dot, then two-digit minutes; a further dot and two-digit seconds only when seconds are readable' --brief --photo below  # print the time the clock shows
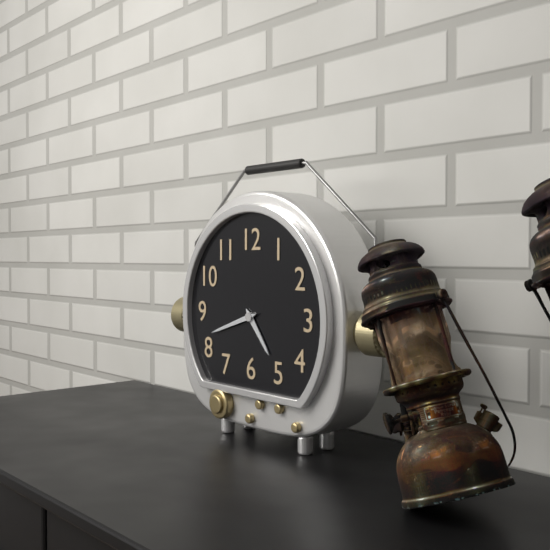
4.42
